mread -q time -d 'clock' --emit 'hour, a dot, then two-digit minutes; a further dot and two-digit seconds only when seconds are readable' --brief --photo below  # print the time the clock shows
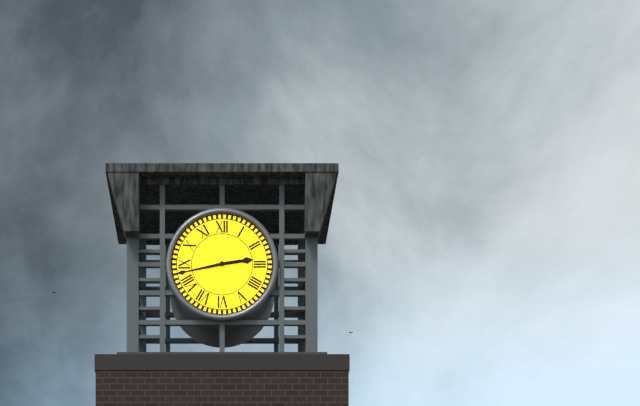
2.43
